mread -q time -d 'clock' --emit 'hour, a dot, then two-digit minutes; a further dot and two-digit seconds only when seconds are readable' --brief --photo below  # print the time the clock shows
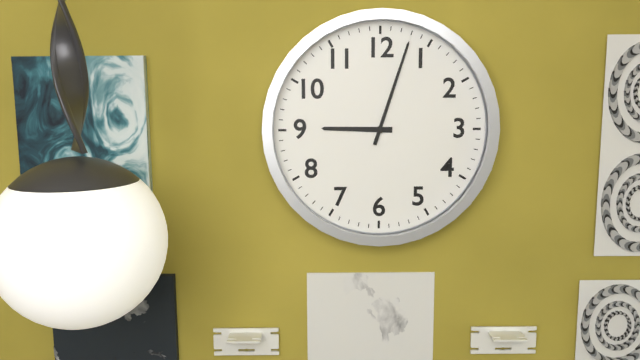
9.03
